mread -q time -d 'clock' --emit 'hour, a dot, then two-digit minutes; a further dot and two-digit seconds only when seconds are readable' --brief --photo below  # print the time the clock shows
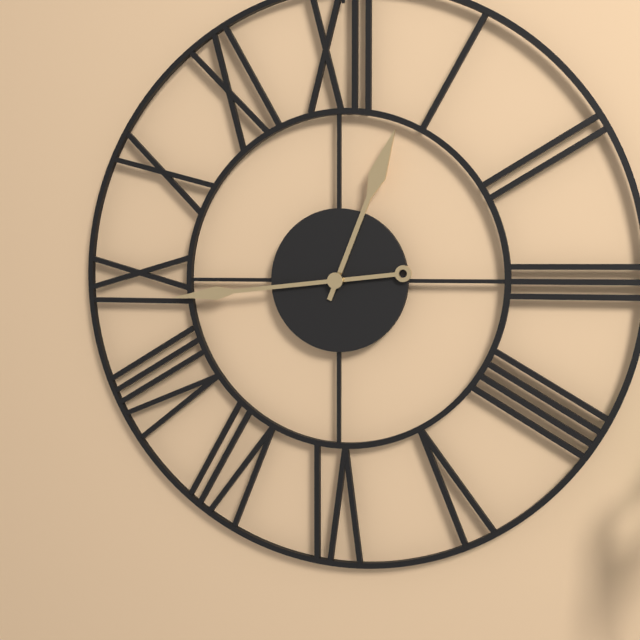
12.44
